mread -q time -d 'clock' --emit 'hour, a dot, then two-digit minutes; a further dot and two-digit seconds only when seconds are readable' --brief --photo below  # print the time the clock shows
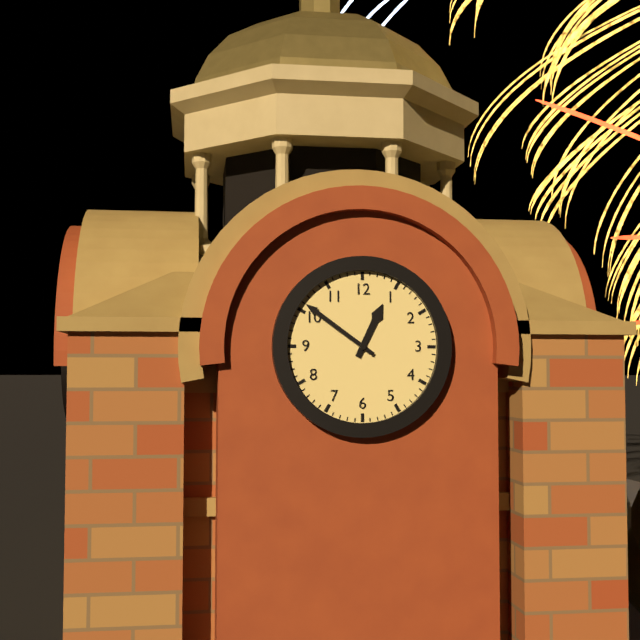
12.51
